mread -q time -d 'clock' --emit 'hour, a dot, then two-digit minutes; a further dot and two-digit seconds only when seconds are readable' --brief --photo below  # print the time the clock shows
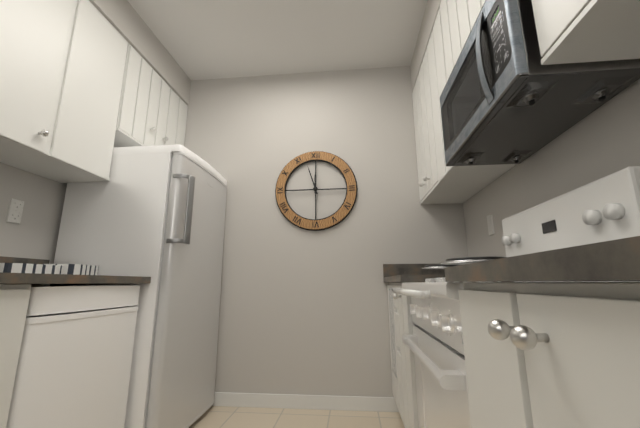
11.57
